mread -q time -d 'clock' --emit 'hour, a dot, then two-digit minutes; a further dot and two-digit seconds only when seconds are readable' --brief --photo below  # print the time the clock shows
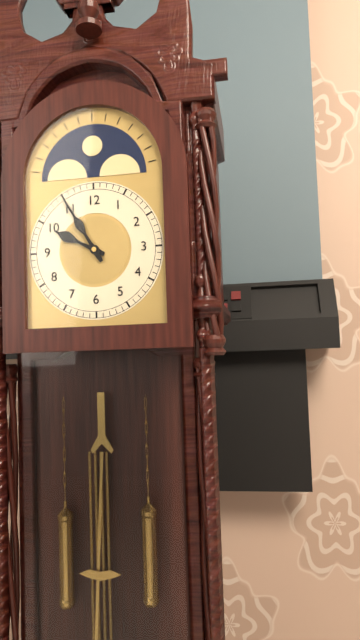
9.55
